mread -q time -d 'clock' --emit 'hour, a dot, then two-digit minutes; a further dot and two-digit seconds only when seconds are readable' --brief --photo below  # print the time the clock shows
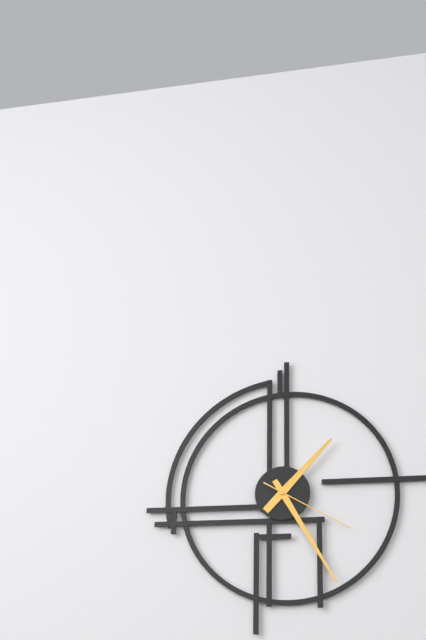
1.25.20
